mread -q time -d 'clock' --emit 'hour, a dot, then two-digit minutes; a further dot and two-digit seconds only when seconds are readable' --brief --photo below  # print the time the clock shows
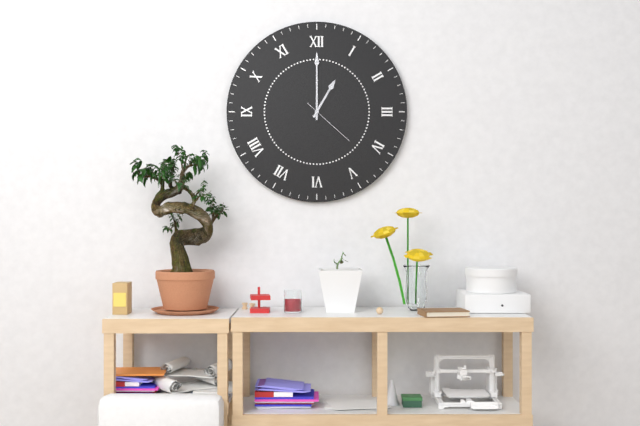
1.00.22
